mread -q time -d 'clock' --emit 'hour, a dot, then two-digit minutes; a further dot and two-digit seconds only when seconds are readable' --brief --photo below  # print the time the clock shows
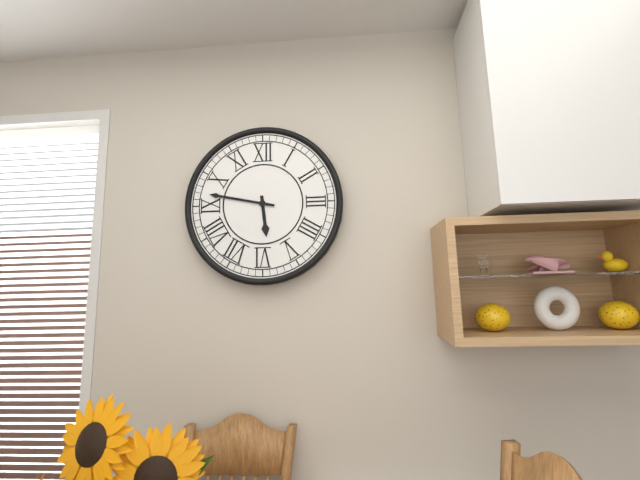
5.47
